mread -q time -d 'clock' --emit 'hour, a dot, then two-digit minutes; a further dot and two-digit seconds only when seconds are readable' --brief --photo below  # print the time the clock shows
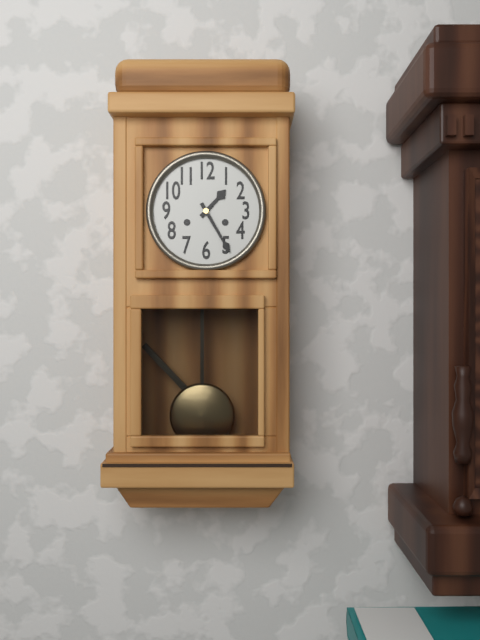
1.25
